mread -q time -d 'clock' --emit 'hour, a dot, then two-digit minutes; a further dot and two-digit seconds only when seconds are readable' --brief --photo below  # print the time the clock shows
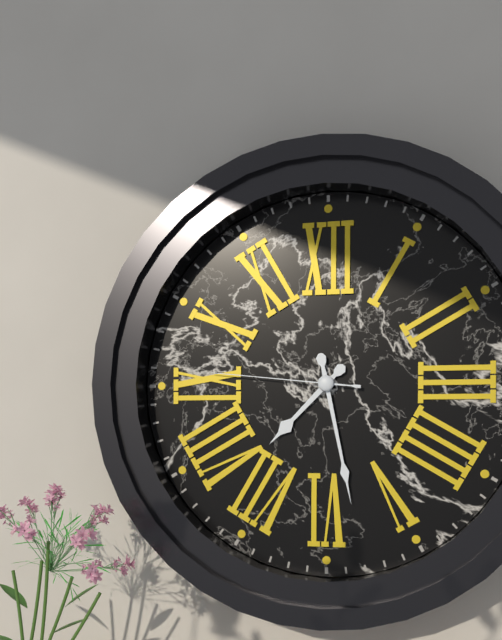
7.28.46
